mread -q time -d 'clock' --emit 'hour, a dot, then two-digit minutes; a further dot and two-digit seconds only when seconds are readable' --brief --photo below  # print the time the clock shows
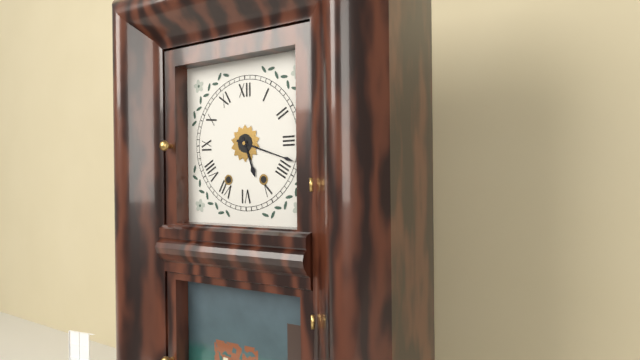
5.18
